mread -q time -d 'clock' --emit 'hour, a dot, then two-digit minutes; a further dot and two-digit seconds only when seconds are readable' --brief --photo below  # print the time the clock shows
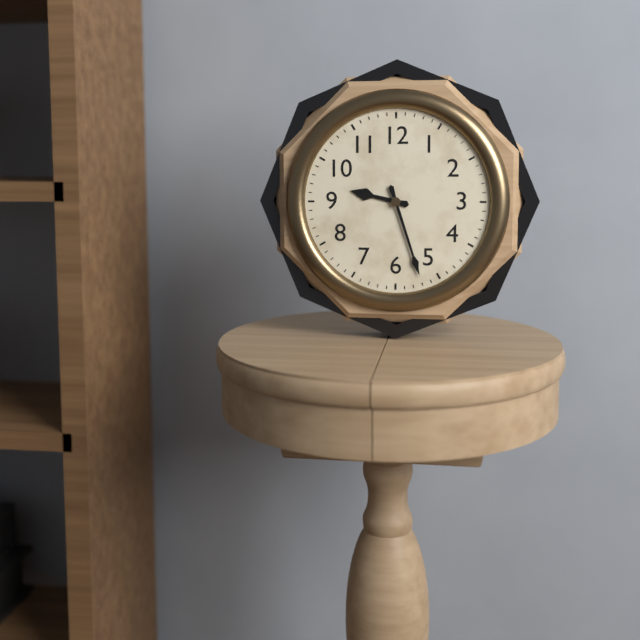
9.27
